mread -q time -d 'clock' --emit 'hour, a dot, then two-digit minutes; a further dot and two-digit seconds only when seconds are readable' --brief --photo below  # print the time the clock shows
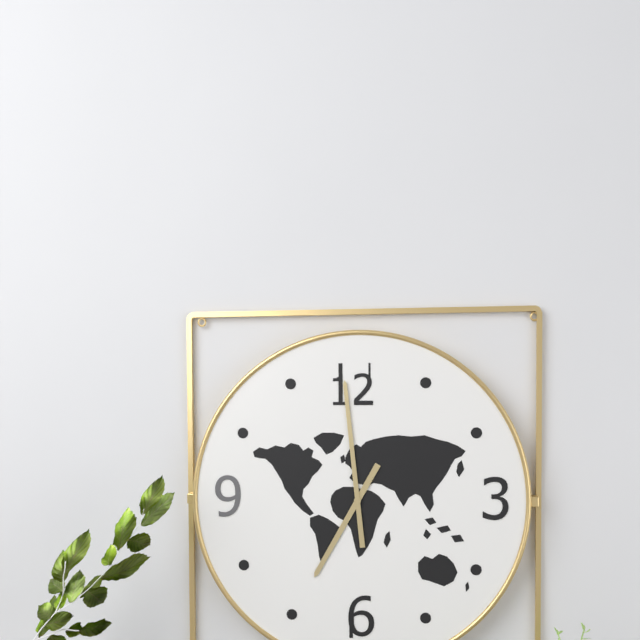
6.59
